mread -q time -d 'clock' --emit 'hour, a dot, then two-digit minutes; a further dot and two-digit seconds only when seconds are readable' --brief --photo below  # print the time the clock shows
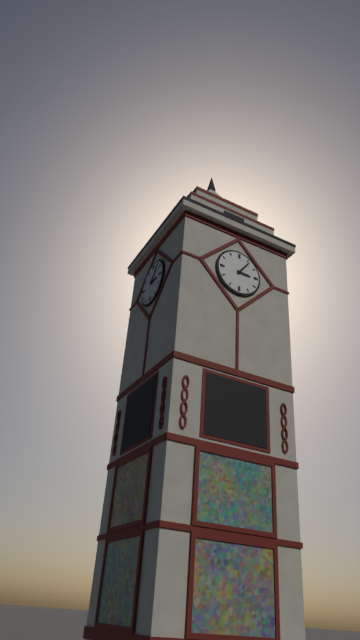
3.06
